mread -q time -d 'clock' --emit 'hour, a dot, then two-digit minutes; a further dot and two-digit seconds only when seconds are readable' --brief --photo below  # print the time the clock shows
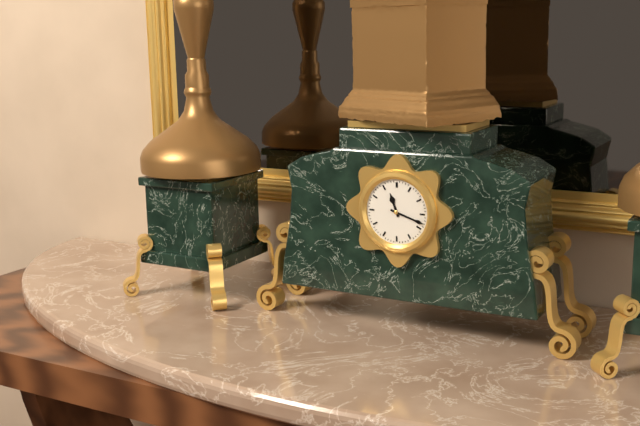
11.18
